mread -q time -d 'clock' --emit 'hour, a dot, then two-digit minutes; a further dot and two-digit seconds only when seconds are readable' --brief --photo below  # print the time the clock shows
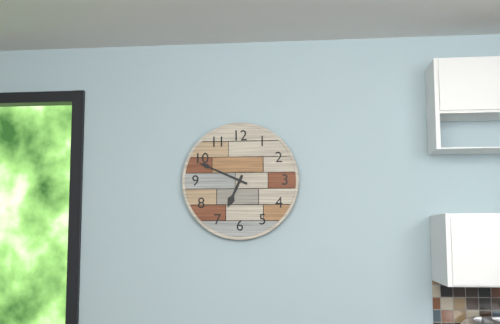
6.49
